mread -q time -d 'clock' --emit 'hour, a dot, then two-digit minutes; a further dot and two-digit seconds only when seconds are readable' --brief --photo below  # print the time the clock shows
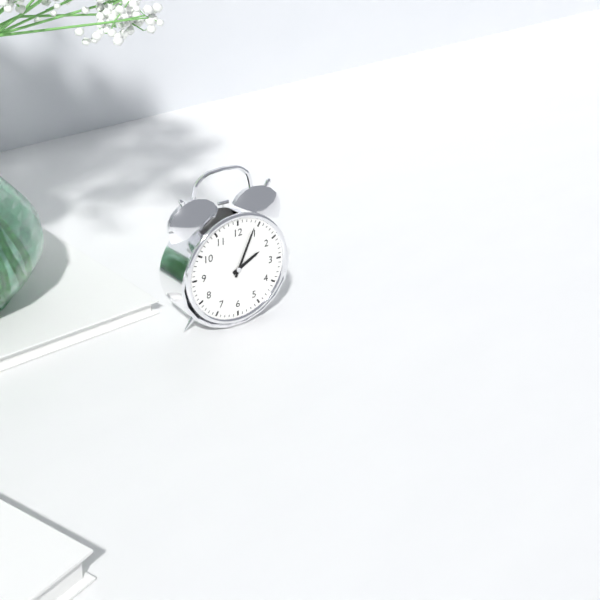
2.04
